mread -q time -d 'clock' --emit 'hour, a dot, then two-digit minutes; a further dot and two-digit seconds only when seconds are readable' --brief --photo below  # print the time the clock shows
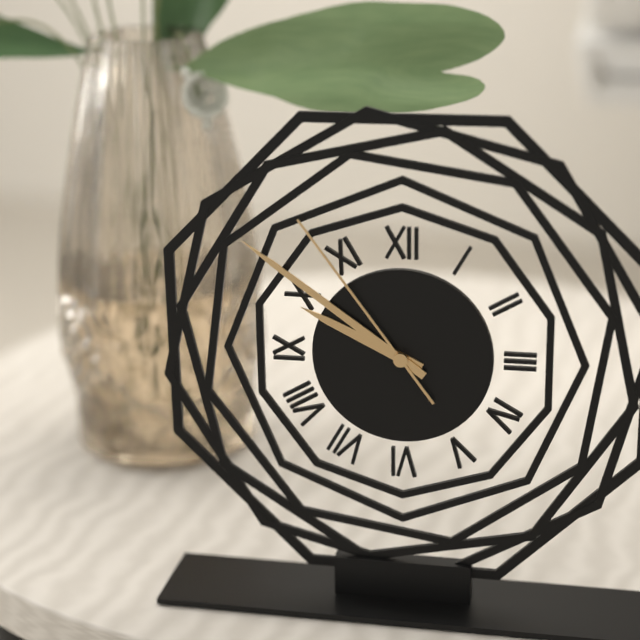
9.51.54
